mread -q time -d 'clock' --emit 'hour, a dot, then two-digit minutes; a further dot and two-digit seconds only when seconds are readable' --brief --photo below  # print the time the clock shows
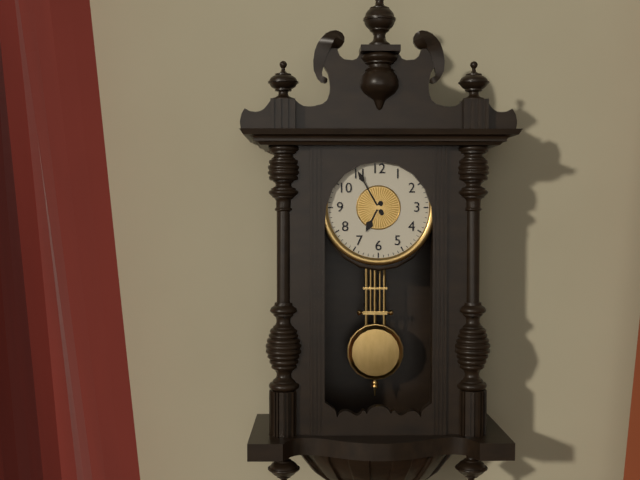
6.55
